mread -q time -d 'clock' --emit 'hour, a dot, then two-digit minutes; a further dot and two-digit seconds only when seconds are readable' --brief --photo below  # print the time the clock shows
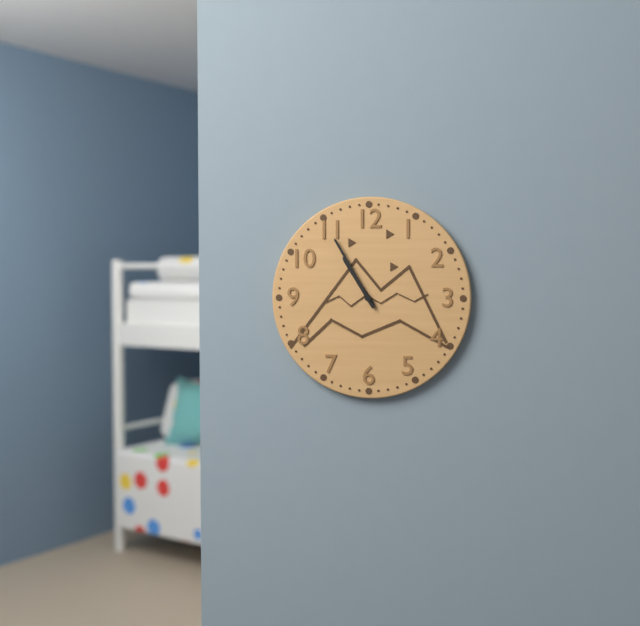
10.55
